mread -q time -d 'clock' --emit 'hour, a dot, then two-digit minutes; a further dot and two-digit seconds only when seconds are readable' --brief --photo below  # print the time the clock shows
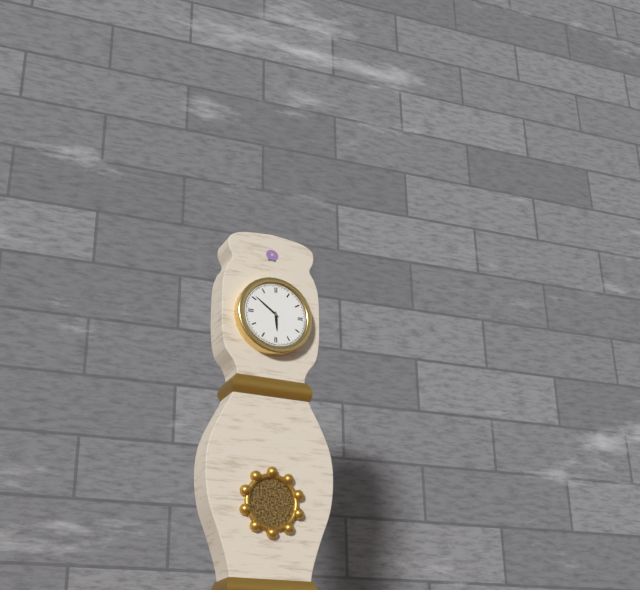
5.51
